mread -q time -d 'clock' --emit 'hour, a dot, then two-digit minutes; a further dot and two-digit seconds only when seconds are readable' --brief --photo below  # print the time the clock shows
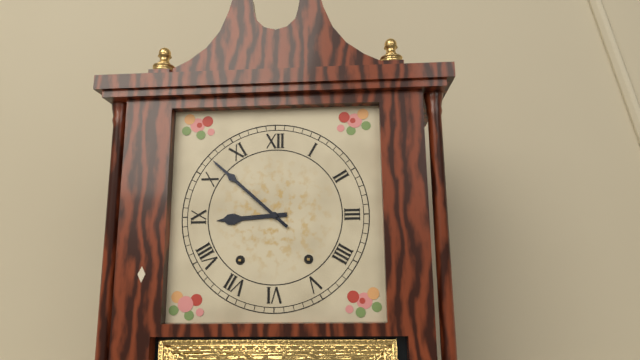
8.52
